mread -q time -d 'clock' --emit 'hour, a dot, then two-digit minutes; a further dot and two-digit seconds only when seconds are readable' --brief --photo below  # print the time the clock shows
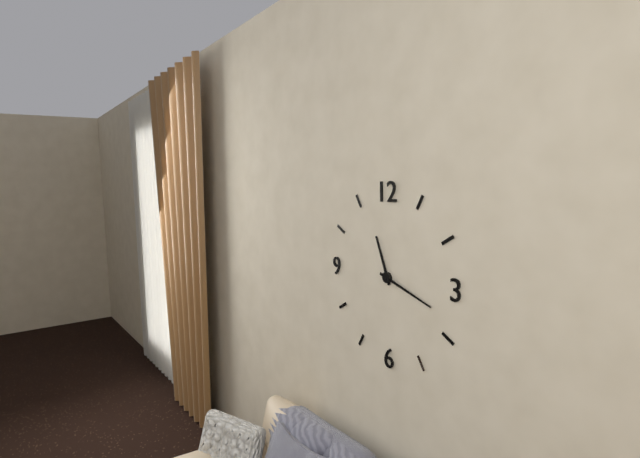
11.18
